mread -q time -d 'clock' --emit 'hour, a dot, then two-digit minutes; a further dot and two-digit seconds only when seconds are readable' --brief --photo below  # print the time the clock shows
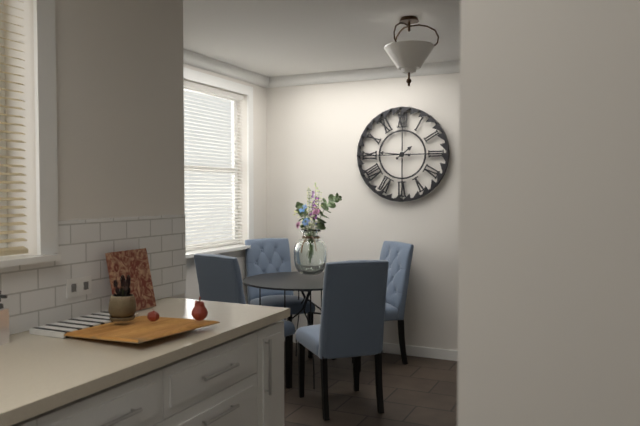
1.46
